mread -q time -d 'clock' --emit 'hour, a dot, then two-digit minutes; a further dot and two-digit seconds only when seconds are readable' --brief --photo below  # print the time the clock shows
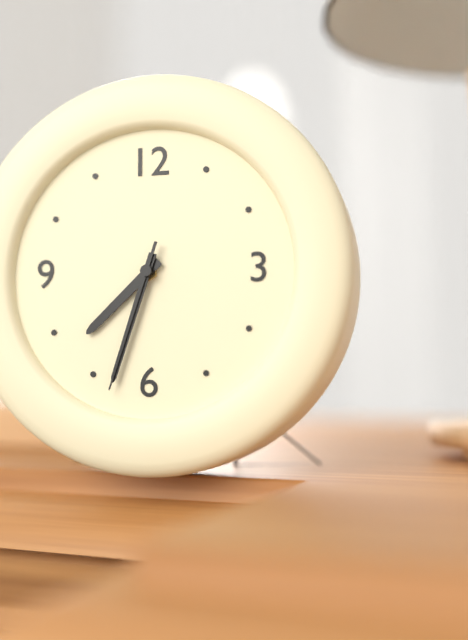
7.33.33
